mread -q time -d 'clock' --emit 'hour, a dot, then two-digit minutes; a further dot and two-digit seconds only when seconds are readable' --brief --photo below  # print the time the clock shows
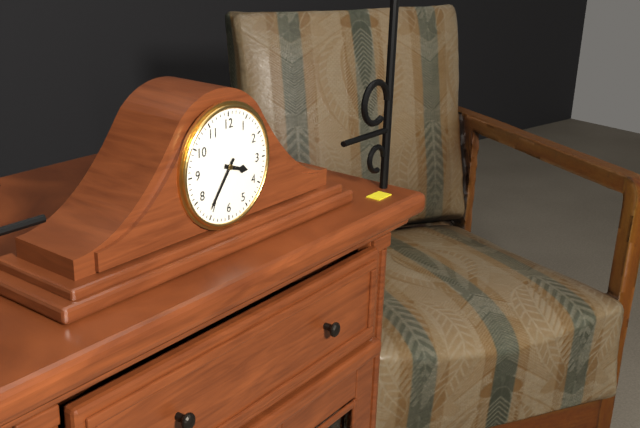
3.36
